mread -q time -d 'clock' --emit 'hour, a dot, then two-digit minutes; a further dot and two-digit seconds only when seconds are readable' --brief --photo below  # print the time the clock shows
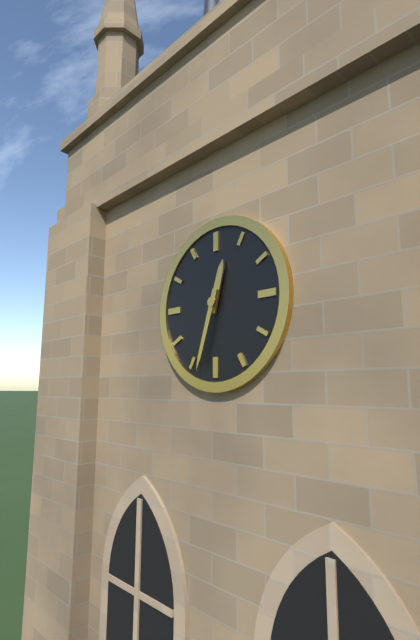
12.33
